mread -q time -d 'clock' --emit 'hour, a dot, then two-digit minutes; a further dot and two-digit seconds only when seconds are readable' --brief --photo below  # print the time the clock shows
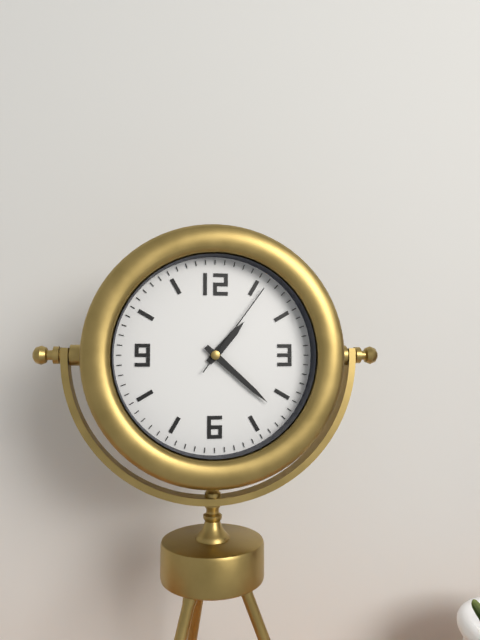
1.22.06
